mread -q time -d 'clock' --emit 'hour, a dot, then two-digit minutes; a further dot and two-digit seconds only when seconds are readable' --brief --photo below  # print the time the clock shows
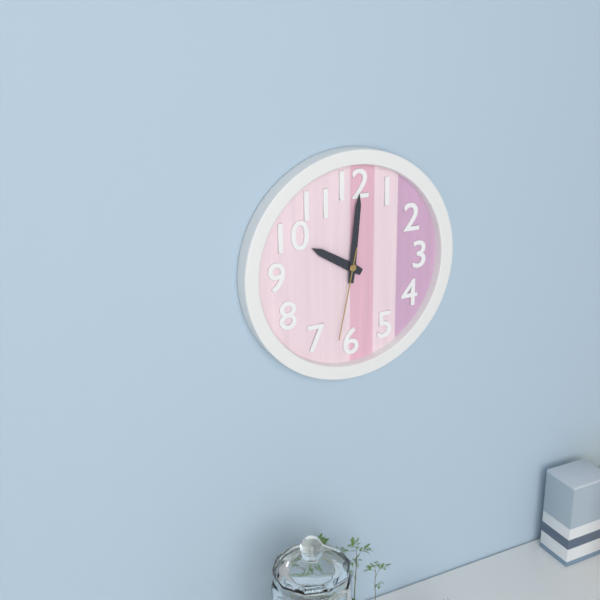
10.01.32
